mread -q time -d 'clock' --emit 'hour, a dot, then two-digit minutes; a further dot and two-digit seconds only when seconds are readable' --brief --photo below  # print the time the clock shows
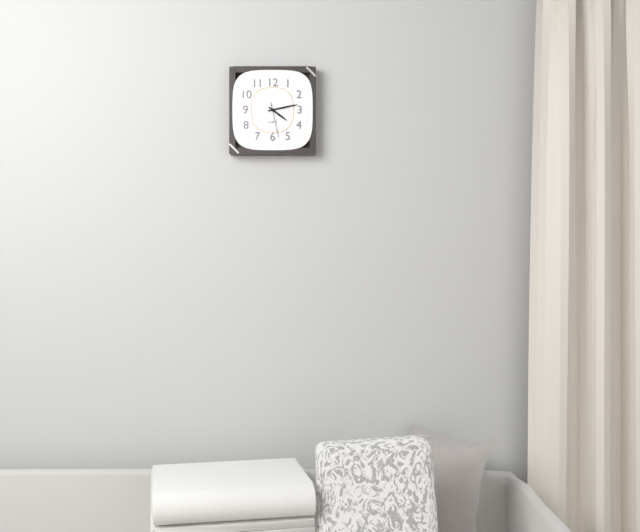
4.13
